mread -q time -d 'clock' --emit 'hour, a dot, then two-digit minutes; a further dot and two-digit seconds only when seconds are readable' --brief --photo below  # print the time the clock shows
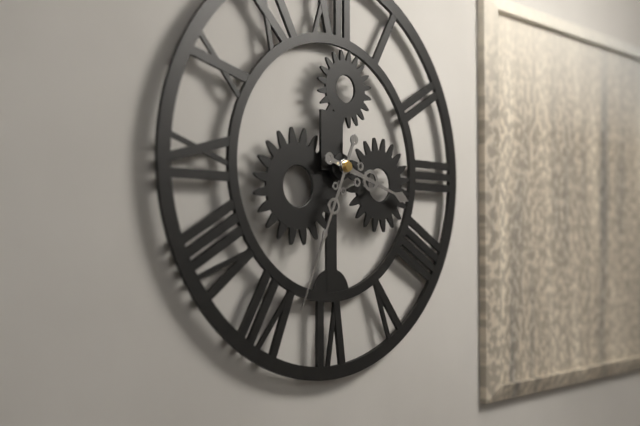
3.34
